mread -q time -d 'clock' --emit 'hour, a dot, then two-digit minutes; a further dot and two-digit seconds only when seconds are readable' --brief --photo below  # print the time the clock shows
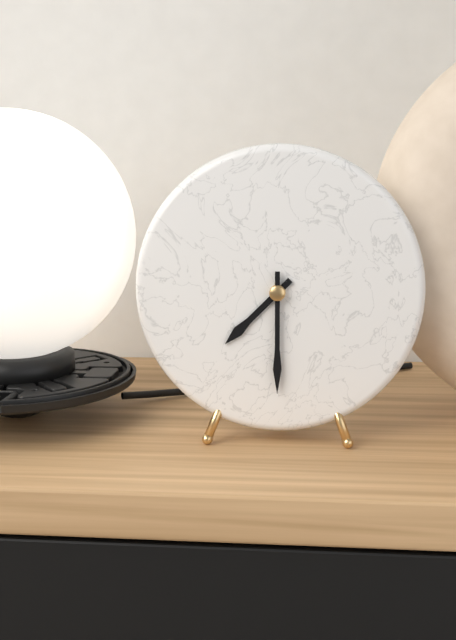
7.30
